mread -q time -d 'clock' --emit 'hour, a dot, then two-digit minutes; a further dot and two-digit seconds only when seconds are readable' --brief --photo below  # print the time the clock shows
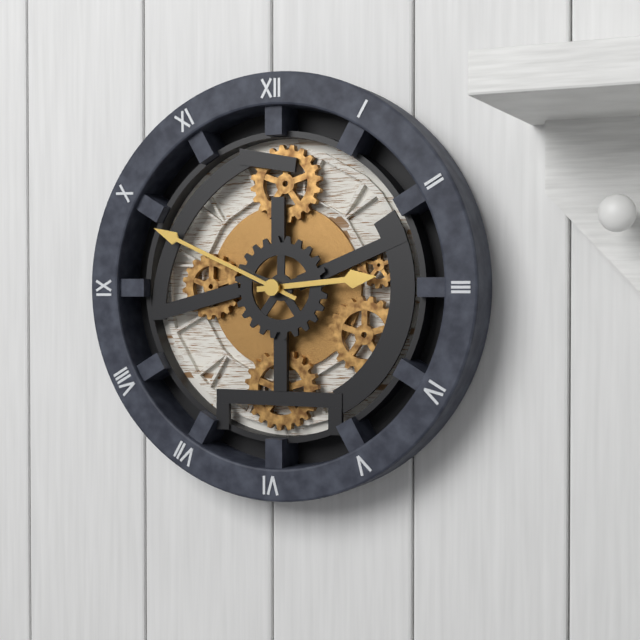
2.49
